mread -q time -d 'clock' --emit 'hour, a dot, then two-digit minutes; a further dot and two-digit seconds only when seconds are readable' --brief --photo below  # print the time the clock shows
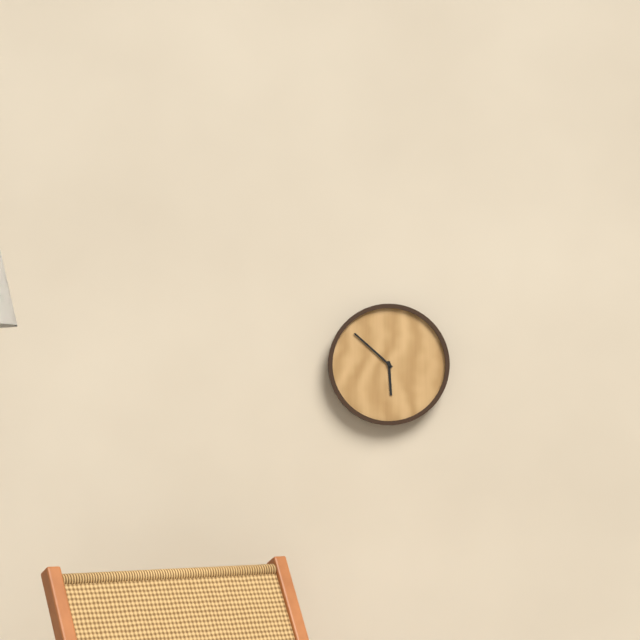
5.52
